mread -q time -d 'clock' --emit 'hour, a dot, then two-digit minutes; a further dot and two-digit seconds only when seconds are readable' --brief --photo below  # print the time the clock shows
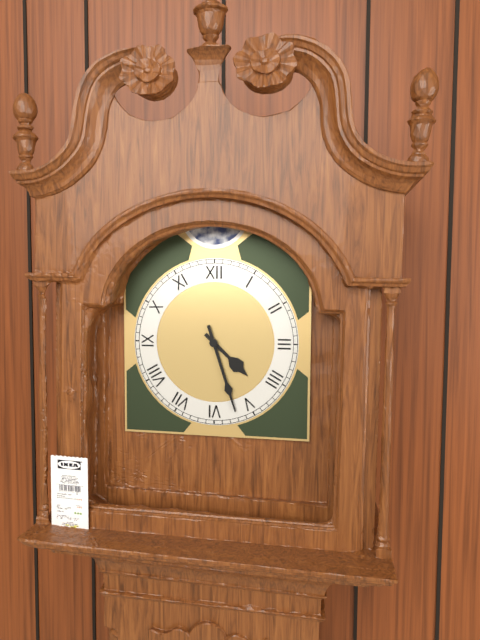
4.27
